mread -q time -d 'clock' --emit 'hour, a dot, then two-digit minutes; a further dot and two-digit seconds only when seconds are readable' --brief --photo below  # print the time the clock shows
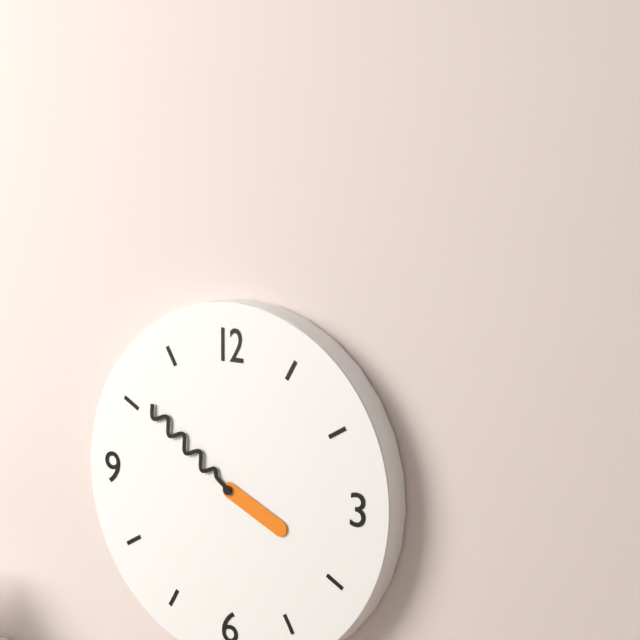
3.51
